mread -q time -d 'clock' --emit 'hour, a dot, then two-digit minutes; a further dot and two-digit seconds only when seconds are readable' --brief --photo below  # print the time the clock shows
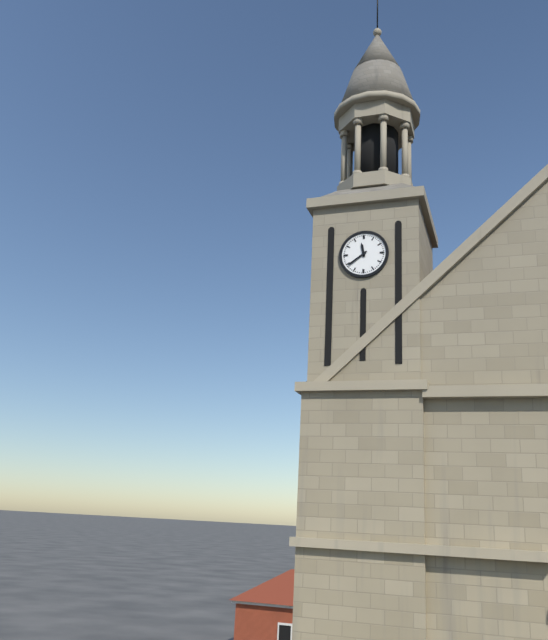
11.39
